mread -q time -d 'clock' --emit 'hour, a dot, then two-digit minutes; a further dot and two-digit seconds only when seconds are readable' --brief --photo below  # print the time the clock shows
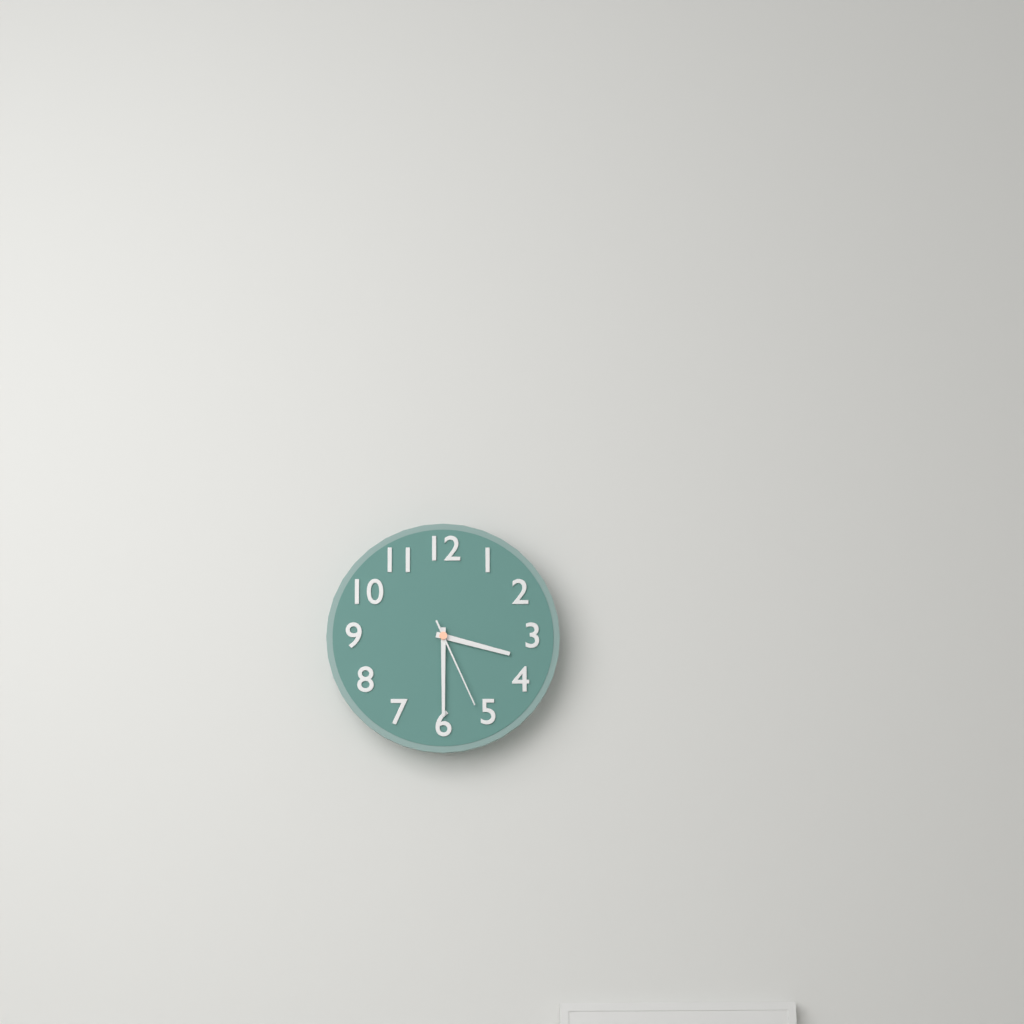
3.30.26
